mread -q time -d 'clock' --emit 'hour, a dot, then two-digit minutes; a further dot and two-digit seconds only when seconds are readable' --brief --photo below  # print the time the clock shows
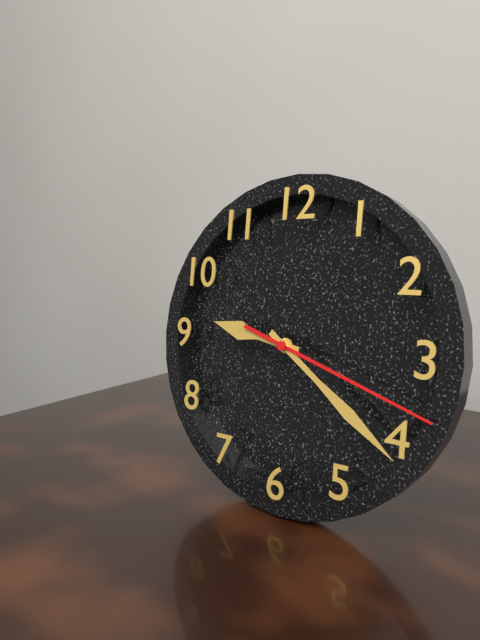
9.21.18
